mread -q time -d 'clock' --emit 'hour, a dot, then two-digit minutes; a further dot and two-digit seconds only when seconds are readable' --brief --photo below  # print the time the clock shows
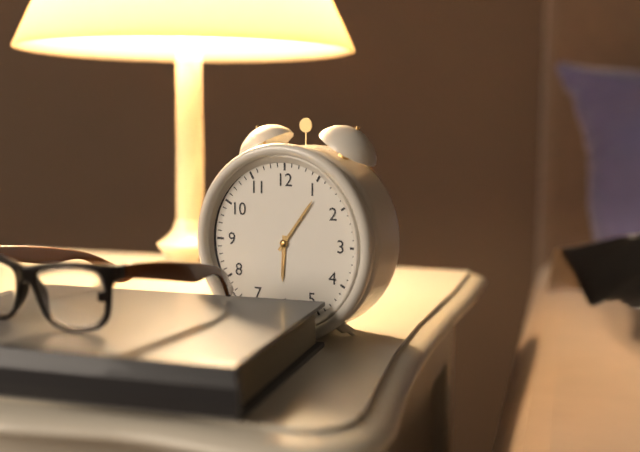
6.06
